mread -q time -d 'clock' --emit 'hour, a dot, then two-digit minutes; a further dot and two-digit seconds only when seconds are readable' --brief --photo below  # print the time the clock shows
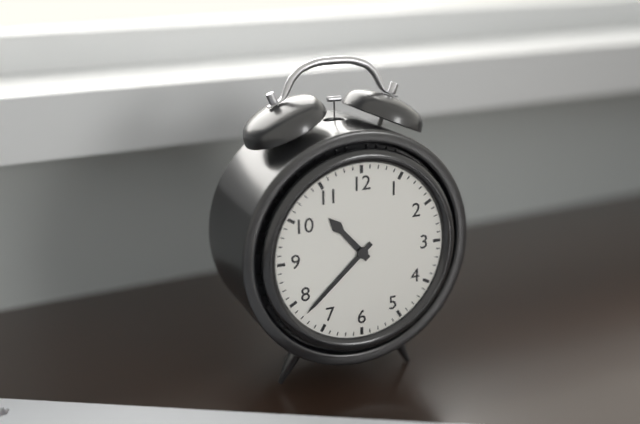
10.38
